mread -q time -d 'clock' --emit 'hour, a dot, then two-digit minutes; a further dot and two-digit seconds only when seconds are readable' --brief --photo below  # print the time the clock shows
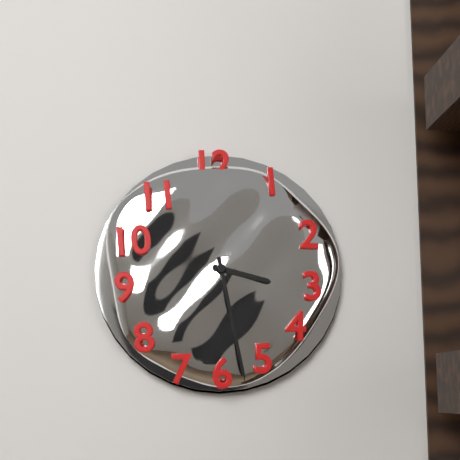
3.28
